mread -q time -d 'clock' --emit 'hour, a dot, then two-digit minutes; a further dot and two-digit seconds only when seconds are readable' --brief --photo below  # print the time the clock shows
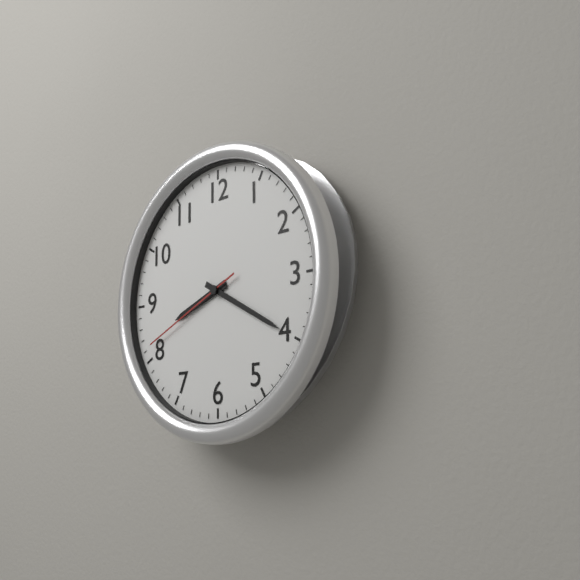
8.20.41
